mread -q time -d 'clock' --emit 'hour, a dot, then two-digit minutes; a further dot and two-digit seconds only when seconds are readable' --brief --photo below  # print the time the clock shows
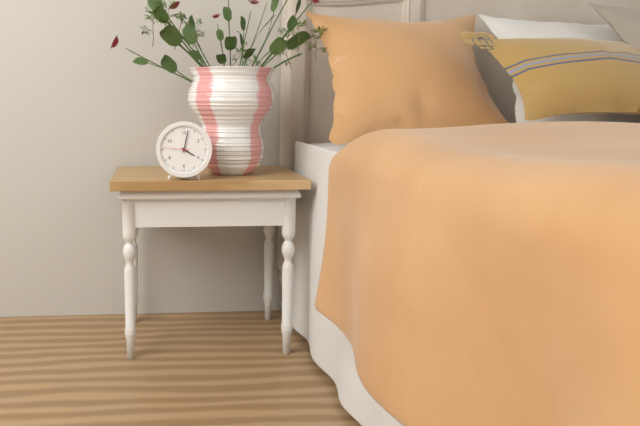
4.02
